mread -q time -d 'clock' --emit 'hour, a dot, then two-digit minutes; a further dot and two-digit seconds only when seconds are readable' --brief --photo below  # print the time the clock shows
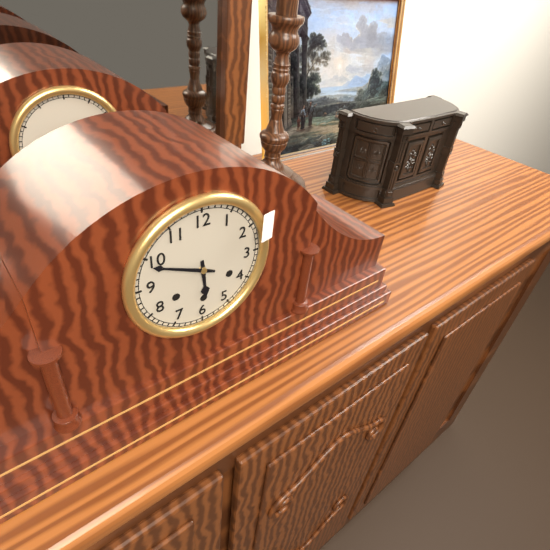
5.49
